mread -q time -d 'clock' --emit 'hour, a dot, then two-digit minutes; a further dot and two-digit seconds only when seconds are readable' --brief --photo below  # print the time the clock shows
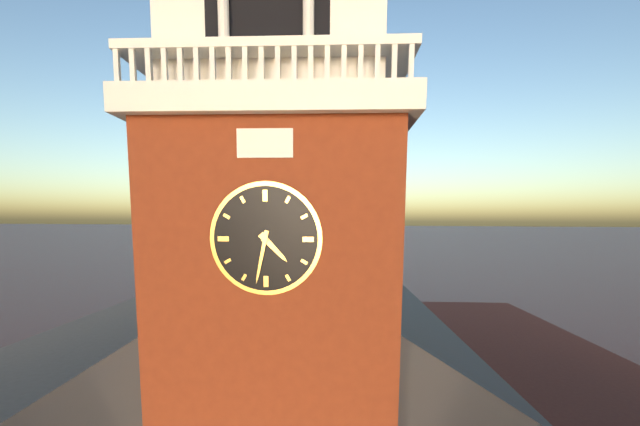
4.32
